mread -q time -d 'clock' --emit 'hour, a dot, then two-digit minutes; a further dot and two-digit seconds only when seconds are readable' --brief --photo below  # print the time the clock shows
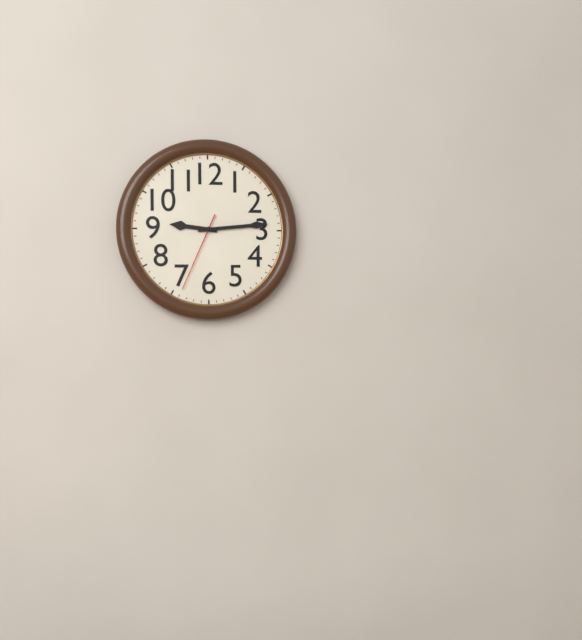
9.14.34
